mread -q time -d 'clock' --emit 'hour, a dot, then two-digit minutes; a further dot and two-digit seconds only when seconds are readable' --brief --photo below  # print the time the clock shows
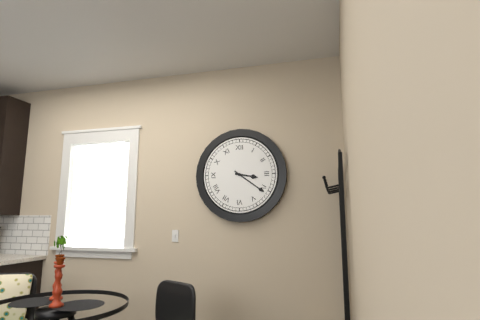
3.21
